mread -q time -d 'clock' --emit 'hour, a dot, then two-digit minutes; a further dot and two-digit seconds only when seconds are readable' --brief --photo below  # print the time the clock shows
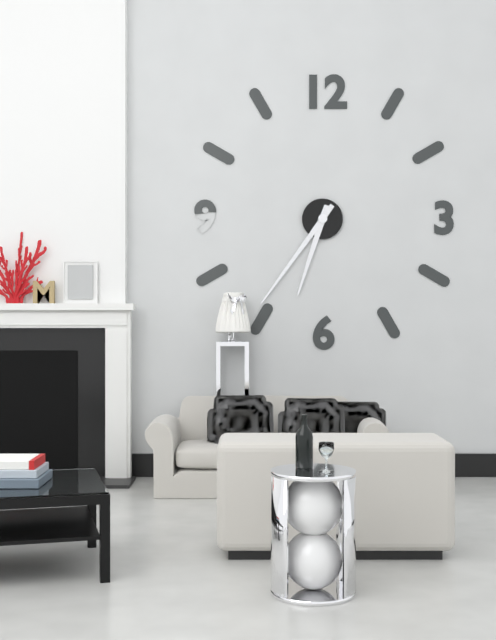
6.36
